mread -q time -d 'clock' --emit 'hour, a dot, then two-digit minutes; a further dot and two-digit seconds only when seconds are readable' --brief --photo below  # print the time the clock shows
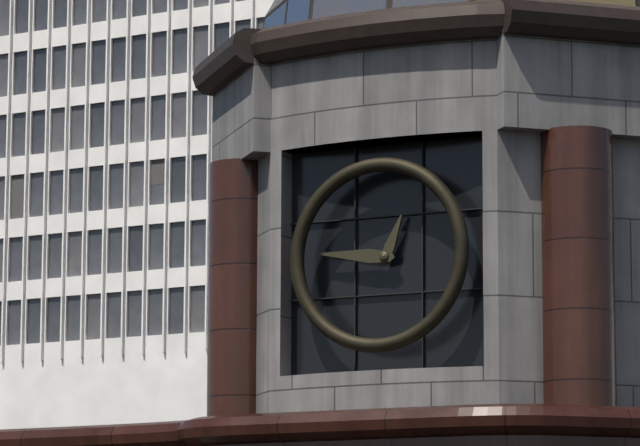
12.46
